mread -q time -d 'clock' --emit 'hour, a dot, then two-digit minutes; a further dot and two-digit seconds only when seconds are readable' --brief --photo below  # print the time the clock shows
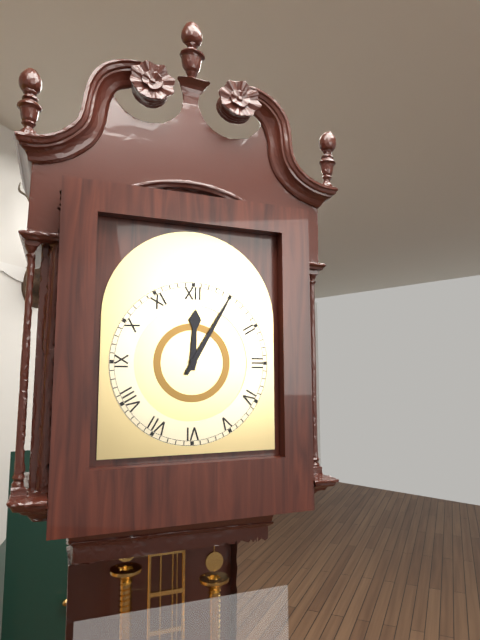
12.05
